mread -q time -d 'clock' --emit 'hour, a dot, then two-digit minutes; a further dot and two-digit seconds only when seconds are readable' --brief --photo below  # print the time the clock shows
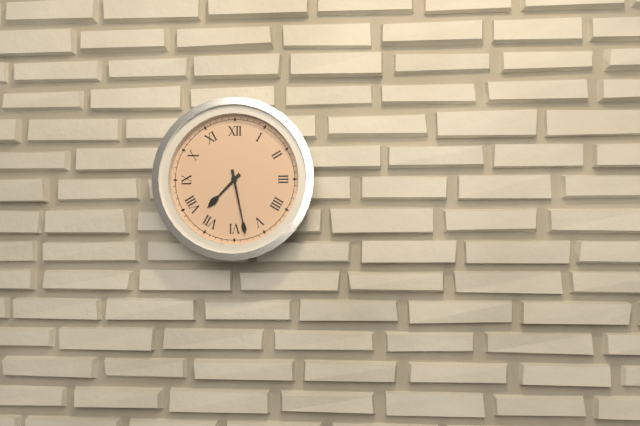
7.28
